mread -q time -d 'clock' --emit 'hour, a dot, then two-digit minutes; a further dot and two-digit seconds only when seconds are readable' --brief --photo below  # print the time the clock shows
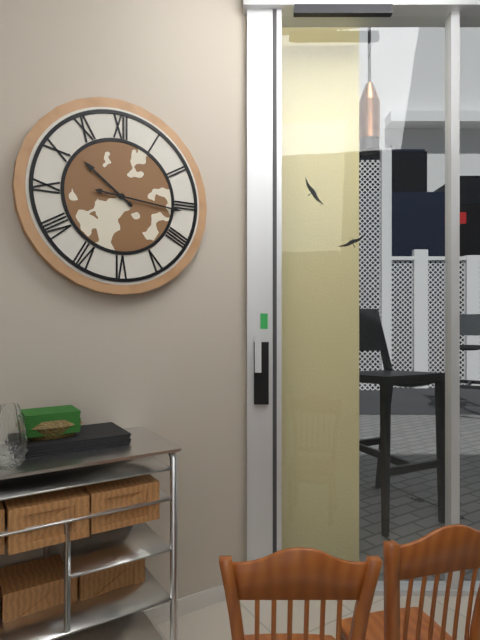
10.16
